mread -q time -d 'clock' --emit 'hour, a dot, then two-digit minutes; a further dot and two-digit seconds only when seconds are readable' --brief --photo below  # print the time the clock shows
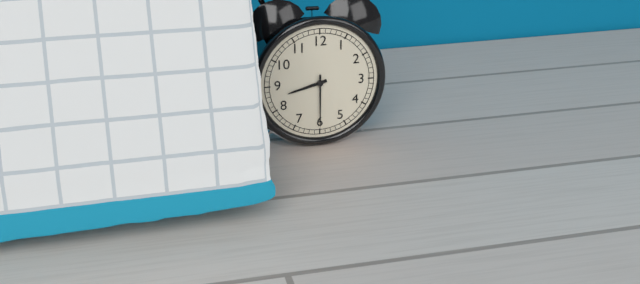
8.30
